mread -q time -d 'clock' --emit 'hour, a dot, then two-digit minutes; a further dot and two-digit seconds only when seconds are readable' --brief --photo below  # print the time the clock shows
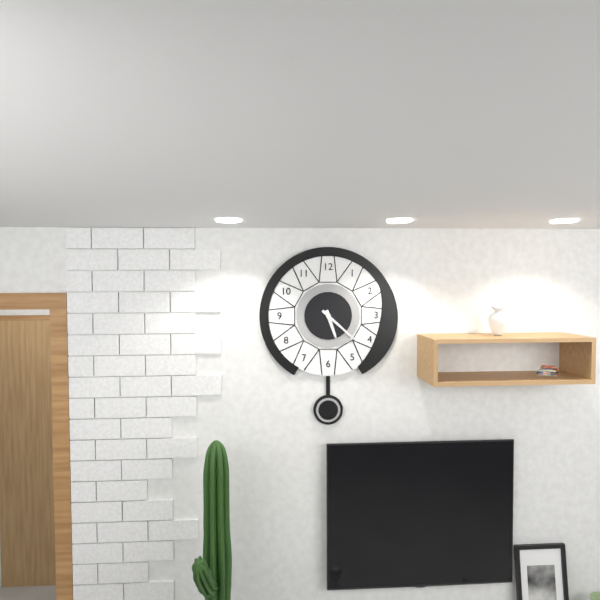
5.22
